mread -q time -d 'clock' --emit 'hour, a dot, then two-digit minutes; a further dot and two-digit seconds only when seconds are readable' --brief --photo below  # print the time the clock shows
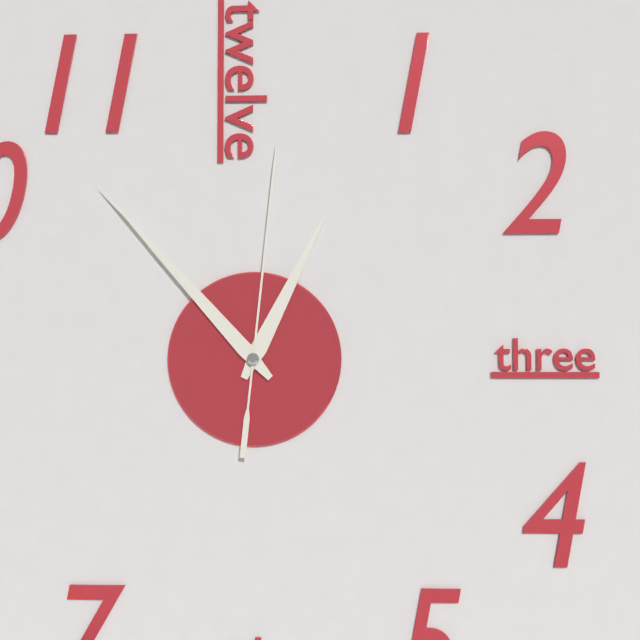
12.53.01
